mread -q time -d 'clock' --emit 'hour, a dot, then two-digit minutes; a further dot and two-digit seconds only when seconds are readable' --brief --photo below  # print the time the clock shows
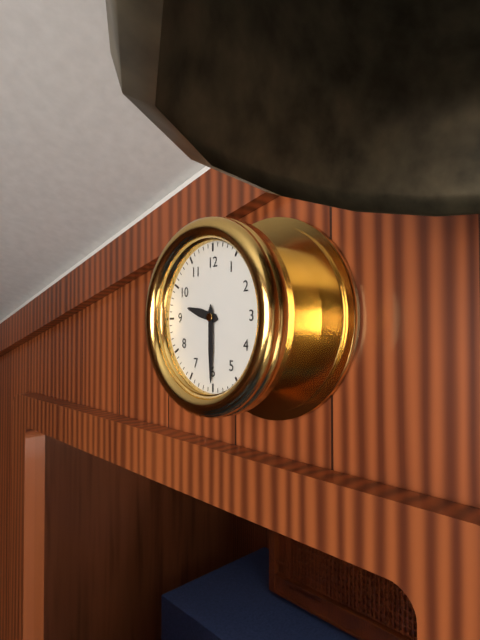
9.30
